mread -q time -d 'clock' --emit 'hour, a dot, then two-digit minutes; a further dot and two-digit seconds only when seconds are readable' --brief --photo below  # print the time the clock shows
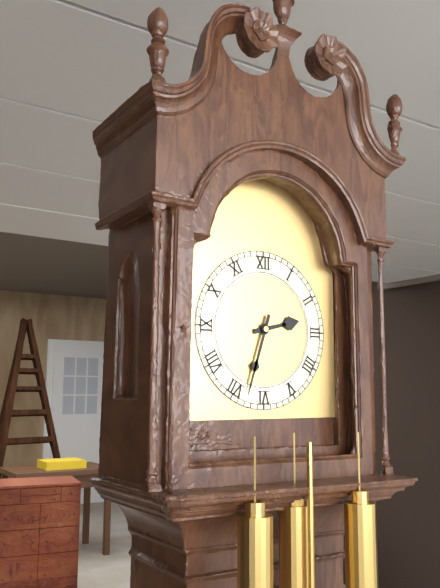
2.33
